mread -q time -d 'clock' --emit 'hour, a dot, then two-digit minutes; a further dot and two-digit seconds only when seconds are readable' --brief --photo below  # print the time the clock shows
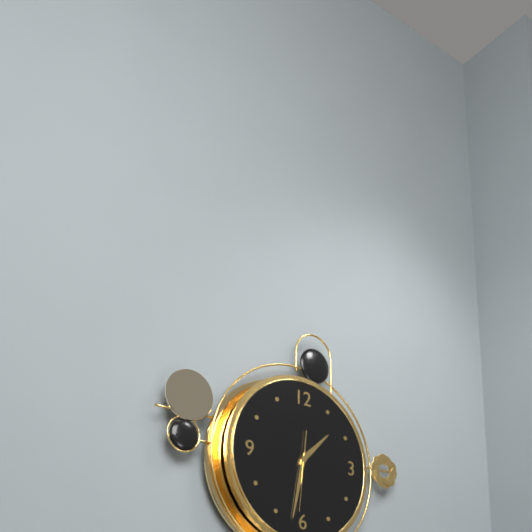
1.32.31
